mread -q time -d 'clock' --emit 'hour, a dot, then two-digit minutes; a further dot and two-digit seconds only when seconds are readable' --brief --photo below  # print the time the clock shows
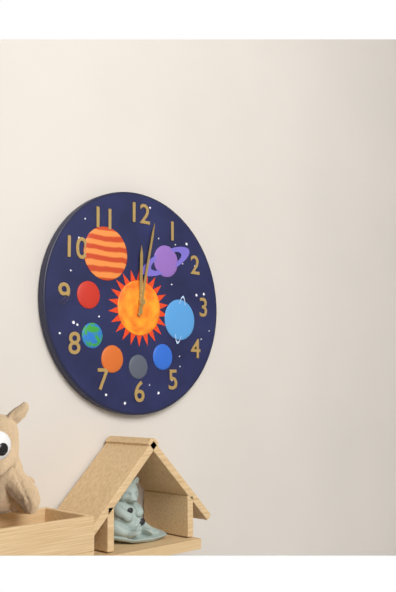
12.02
